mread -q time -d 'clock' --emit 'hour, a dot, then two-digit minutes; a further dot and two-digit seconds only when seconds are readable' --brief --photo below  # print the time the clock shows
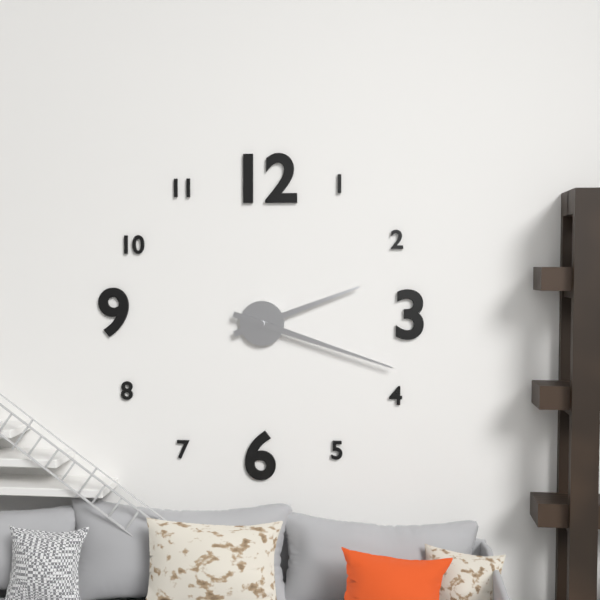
2.18
